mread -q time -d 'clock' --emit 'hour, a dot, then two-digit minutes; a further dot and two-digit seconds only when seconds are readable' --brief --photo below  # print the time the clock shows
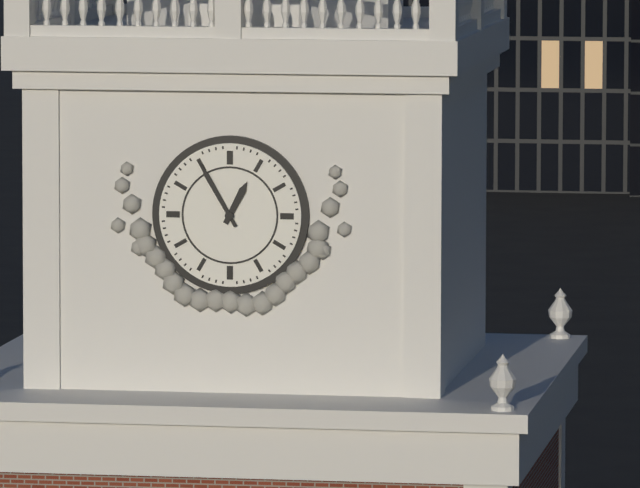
12.55
